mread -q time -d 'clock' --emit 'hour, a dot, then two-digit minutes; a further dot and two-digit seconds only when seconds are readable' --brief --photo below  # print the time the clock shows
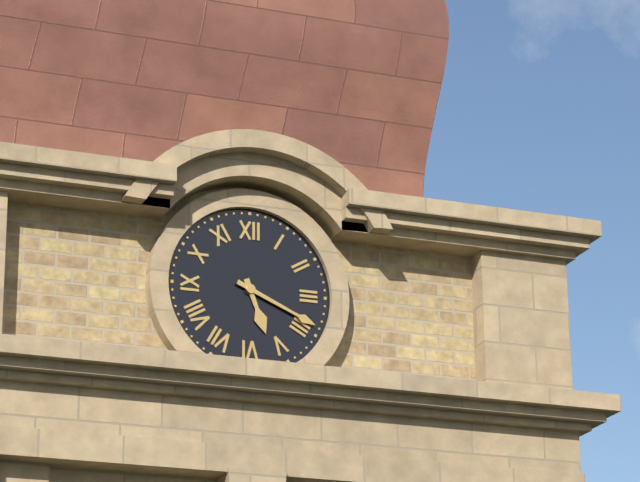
5.19
